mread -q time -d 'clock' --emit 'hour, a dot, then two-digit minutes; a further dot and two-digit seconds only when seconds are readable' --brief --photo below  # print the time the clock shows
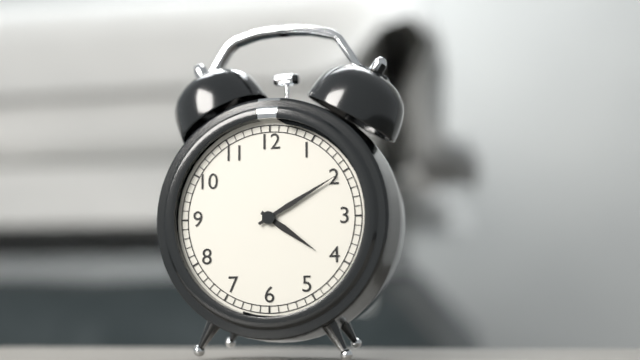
4.10
